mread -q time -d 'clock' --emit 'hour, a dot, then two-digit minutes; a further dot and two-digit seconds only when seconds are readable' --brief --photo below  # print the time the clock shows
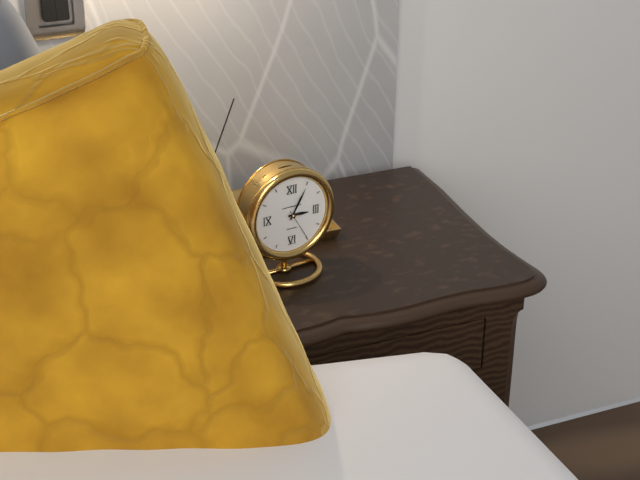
3.05
